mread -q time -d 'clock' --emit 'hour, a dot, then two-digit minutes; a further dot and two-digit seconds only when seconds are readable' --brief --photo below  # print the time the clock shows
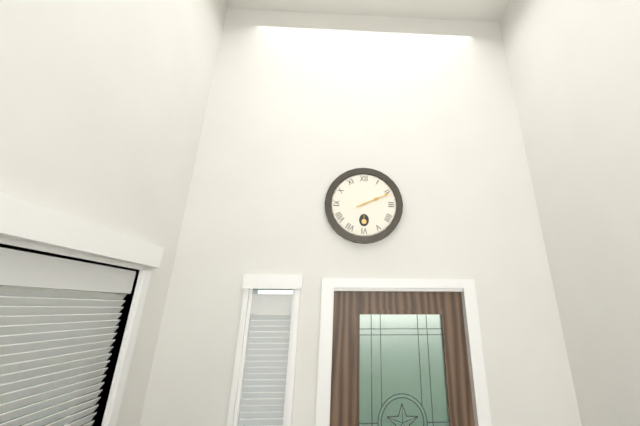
2.11
